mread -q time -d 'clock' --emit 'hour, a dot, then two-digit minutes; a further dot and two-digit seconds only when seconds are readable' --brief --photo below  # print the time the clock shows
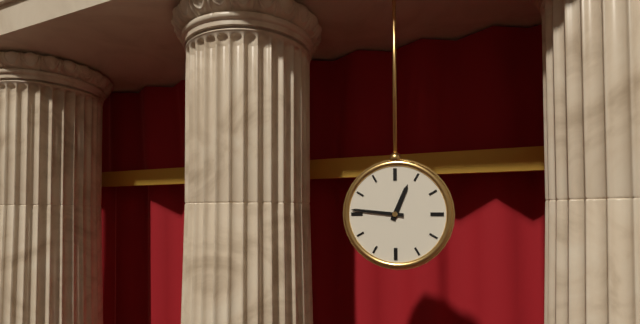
12.46
